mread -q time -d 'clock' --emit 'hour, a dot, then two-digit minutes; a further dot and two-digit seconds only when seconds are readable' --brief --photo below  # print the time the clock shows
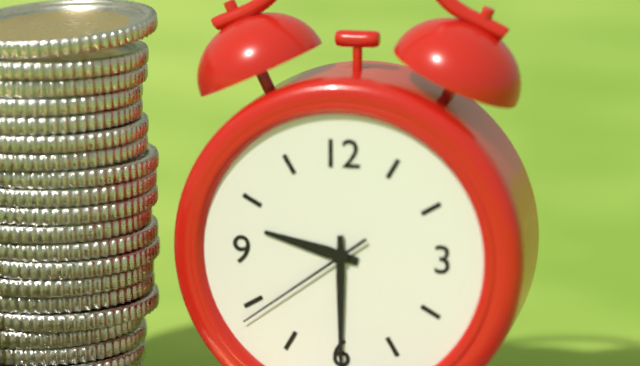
9.30.39
